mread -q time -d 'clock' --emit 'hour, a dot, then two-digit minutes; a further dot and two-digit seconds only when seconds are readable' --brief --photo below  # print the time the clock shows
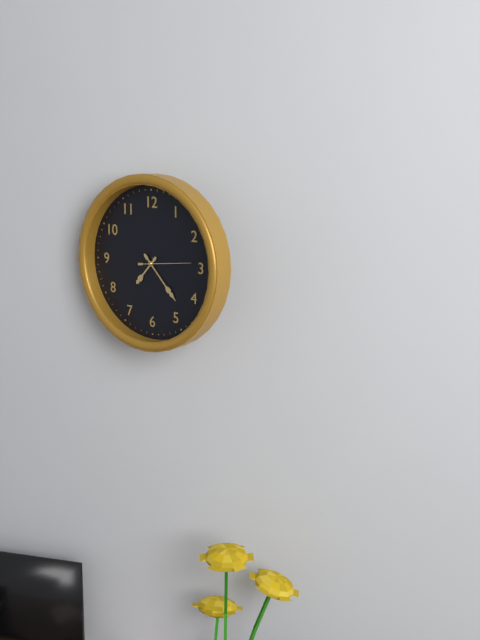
7.23.14
